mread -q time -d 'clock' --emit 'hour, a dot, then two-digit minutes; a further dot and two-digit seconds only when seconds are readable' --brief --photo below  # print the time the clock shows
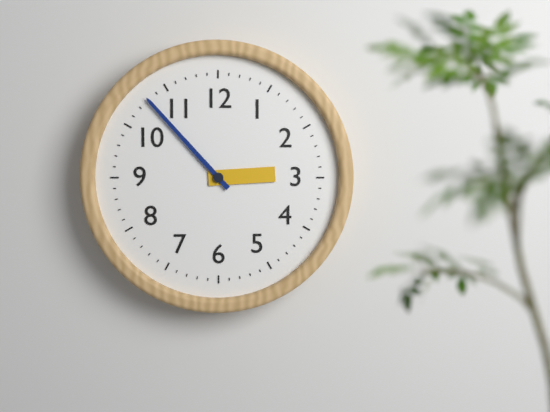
2.53
